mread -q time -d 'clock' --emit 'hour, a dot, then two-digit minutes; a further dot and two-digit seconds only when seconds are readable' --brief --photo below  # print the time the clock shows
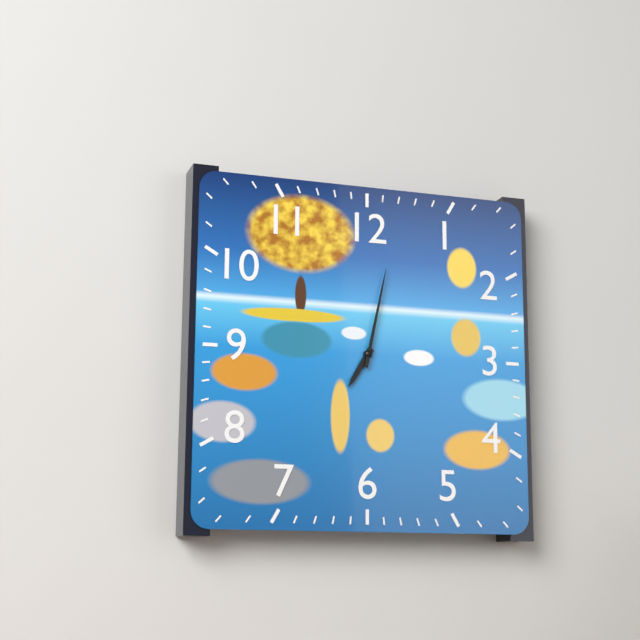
7.02
